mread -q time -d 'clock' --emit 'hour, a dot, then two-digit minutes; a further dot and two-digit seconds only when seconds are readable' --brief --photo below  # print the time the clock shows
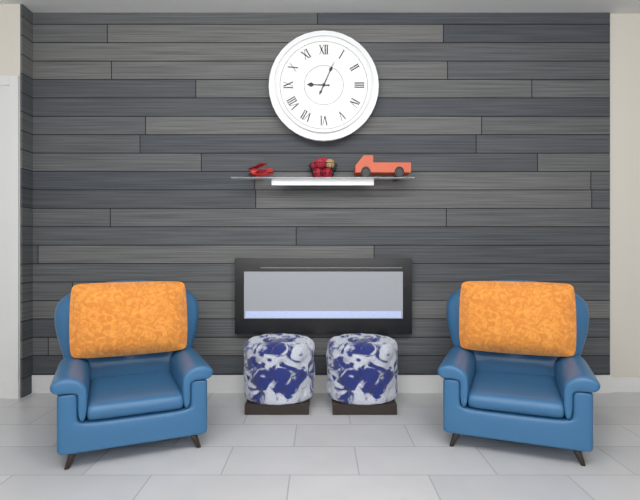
9.04
